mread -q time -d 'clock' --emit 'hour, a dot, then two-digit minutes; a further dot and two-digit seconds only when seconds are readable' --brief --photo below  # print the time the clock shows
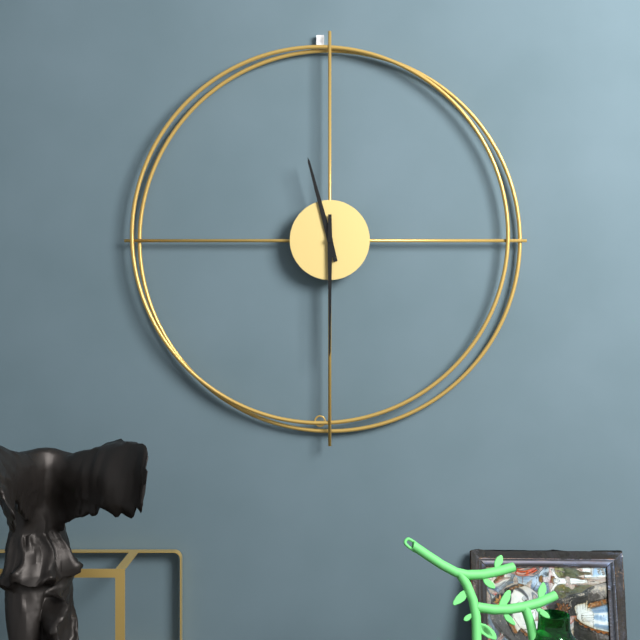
11.30
